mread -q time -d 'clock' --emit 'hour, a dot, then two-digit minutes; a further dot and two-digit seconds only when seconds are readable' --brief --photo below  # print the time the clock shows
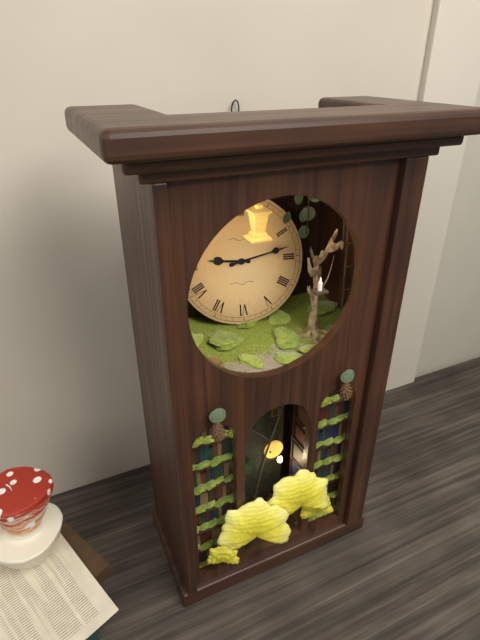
9.13
